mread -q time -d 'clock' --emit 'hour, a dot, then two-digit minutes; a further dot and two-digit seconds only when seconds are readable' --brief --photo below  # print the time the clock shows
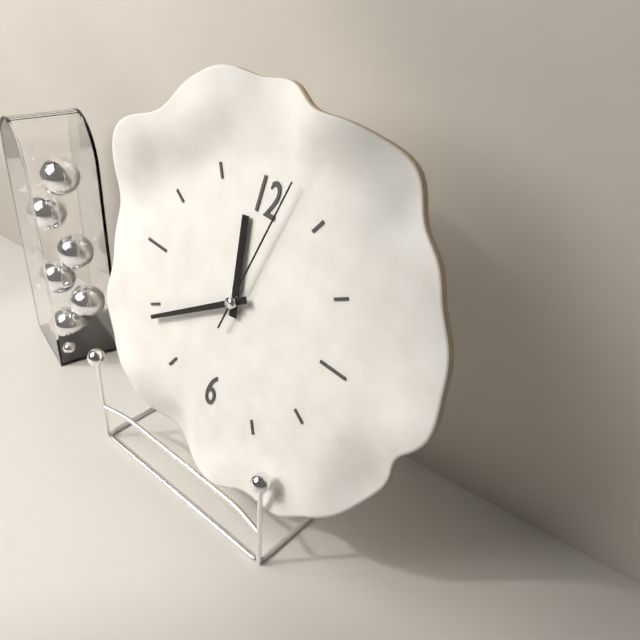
11.39.02
